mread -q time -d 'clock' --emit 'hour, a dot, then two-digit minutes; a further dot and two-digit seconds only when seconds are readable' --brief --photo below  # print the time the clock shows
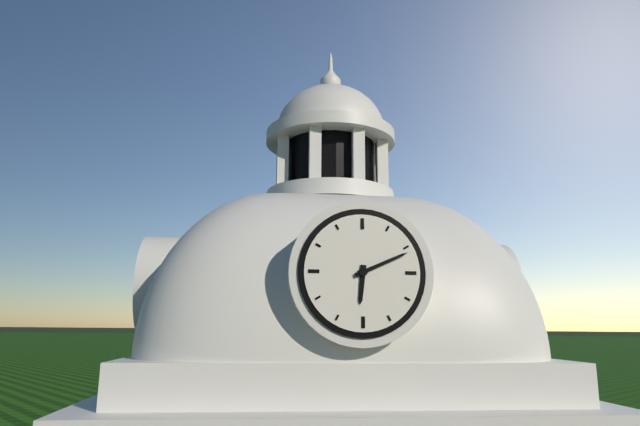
6.11
